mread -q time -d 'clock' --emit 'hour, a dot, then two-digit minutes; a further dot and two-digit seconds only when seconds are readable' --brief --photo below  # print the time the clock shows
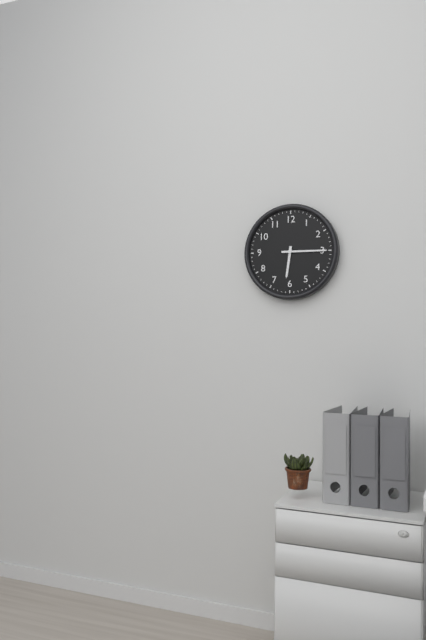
6.15
